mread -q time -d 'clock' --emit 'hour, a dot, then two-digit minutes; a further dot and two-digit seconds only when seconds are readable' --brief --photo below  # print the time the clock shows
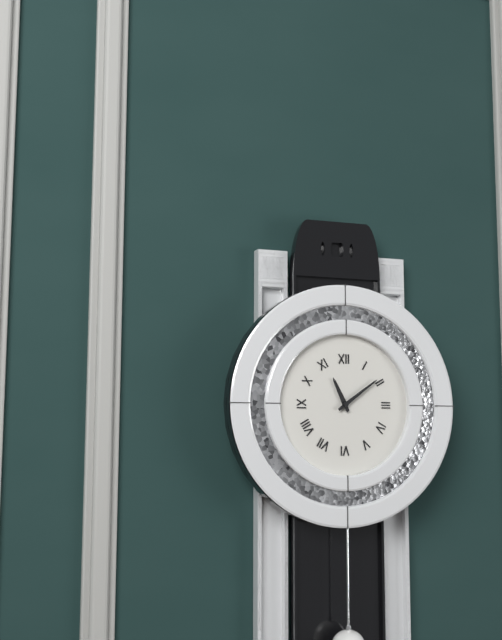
11.09
